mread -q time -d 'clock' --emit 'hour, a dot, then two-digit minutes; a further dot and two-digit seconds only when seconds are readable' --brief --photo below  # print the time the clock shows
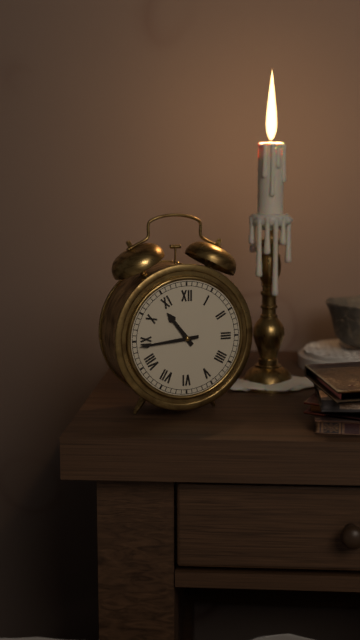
10.44
